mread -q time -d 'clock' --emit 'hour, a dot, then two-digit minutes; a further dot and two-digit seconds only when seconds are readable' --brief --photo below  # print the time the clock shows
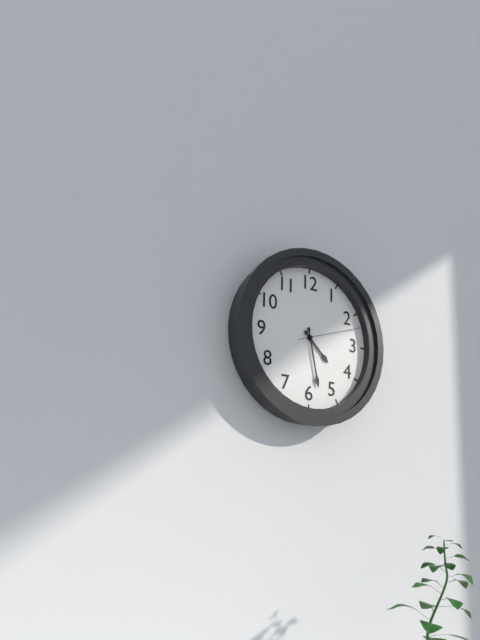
4.28.12
